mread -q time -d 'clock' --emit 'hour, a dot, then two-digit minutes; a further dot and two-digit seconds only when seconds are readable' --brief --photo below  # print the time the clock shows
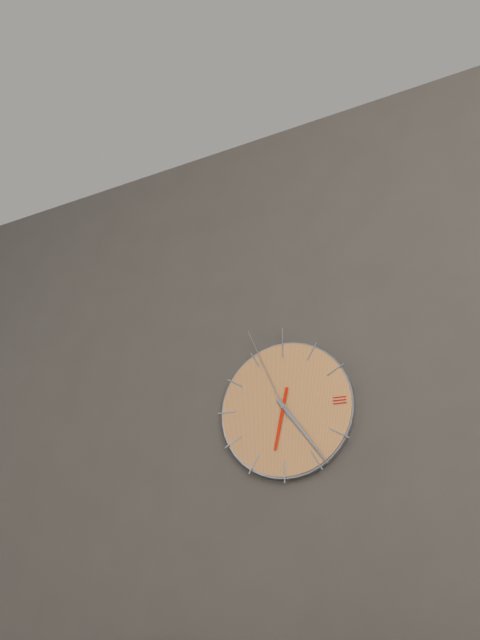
6.24.56
